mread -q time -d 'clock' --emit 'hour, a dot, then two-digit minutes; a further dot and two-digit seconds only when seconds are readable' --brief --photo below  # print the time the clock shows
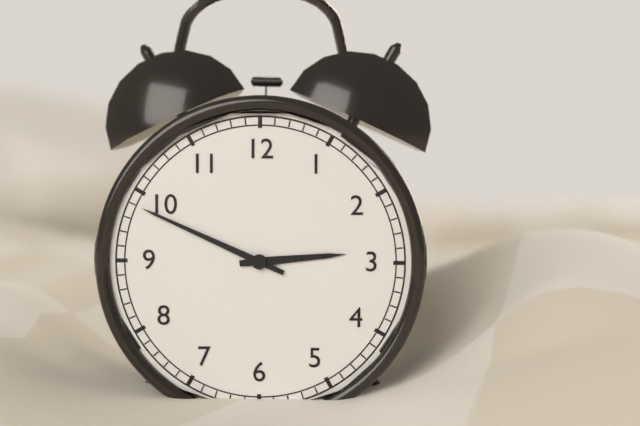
2.49
